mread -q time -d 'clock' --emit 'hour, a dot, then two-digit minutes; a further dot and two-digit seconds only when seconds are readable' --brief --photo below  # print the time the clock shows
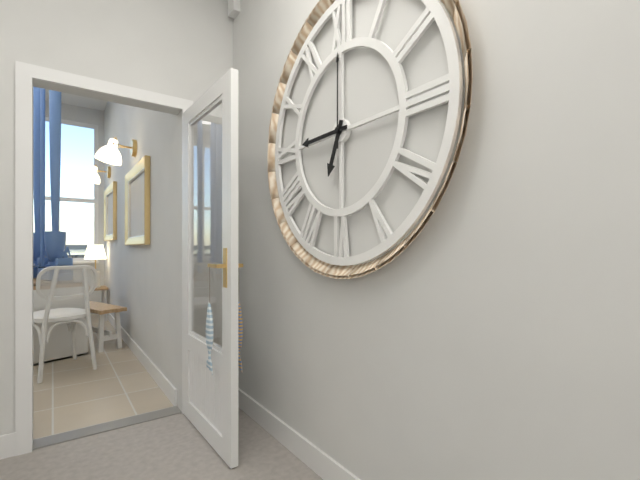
6.45.00
